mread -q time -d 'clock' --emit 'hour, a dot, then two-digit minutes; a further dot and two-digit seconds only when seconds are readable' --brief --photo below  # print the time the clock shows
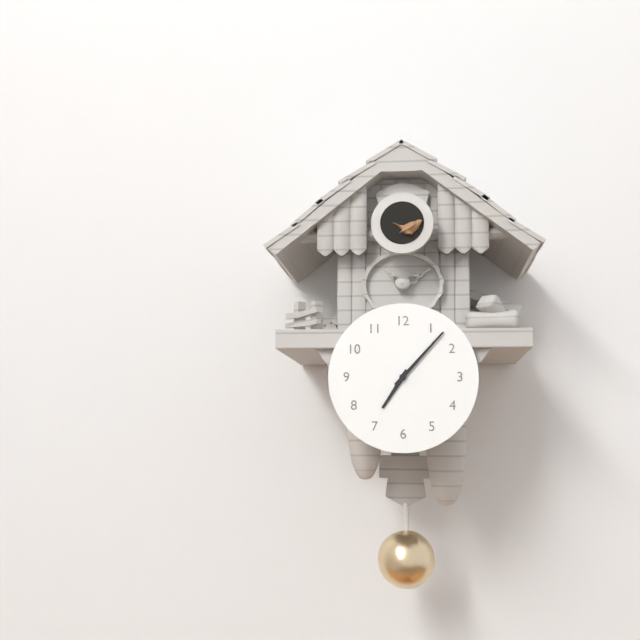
7.07
